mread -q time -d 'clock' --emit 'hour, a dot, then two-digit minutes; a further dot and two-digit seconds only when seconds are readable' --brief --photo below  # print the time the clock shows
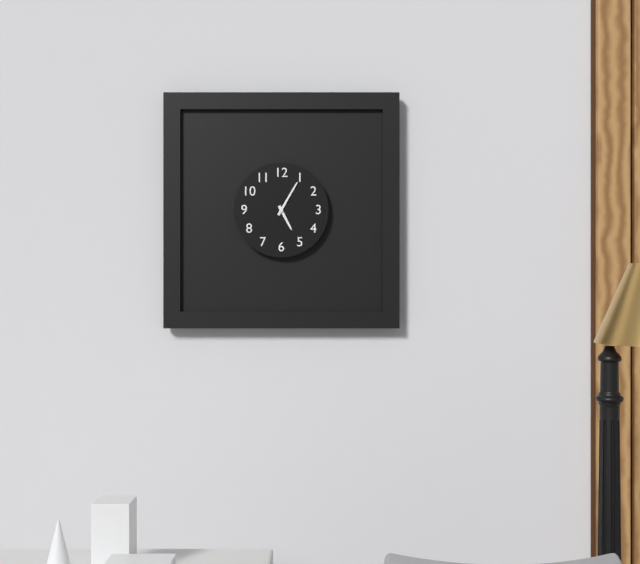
5.05
